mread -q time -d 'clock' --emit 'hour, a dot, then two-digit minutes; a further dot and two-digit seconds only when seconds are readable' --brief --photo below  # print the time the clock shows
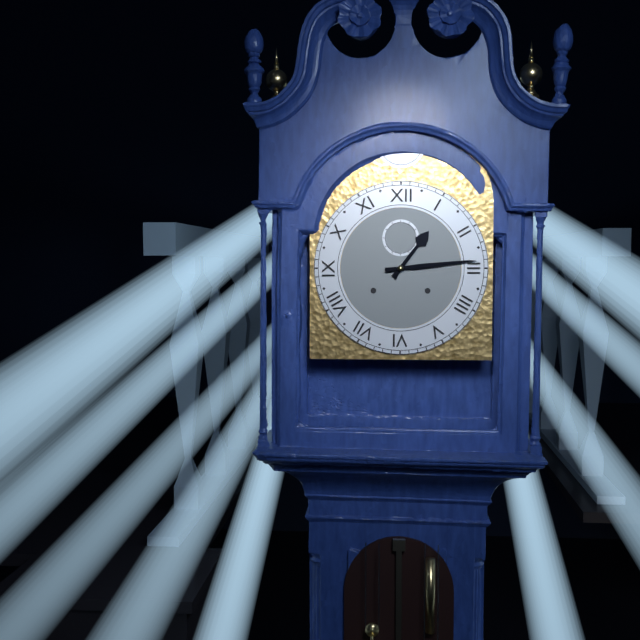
1.14
